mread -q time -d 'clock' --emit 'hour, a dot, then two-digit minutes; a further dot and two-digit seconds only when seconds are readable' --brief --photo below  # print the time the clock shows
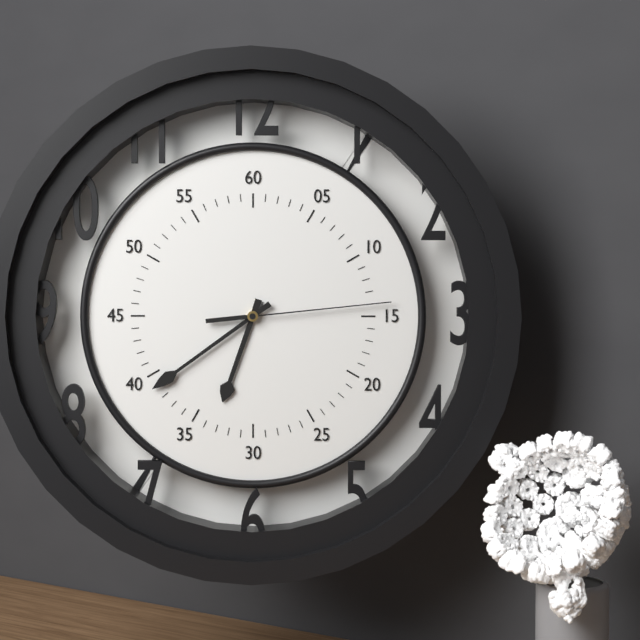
6.39.14
